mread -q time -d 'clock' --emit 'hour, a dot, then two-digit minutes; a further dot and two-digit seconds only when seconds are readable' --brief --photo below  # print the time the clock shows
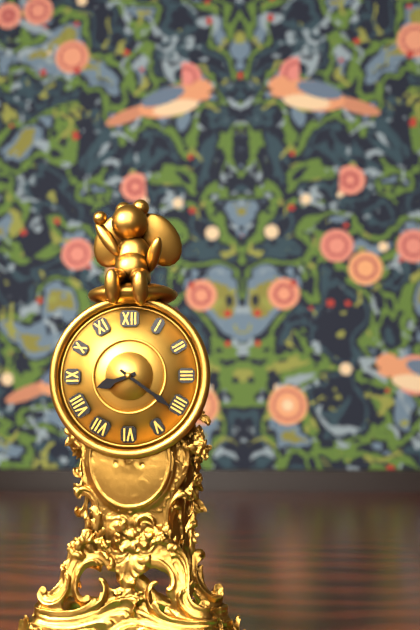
8.21
